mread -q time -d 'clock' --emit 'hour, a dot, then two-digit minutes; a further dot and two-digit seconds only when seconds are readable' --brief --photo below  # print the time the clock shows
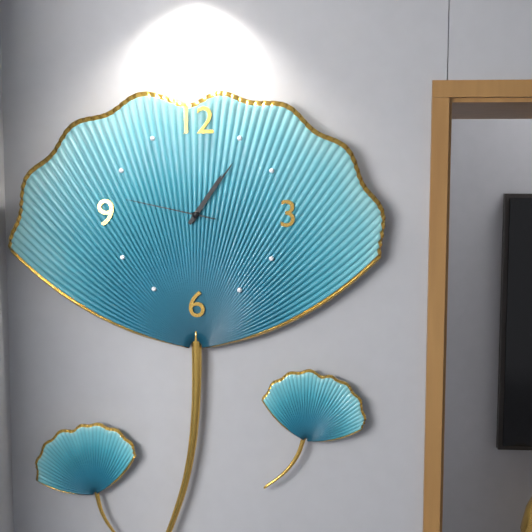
1.06.47
